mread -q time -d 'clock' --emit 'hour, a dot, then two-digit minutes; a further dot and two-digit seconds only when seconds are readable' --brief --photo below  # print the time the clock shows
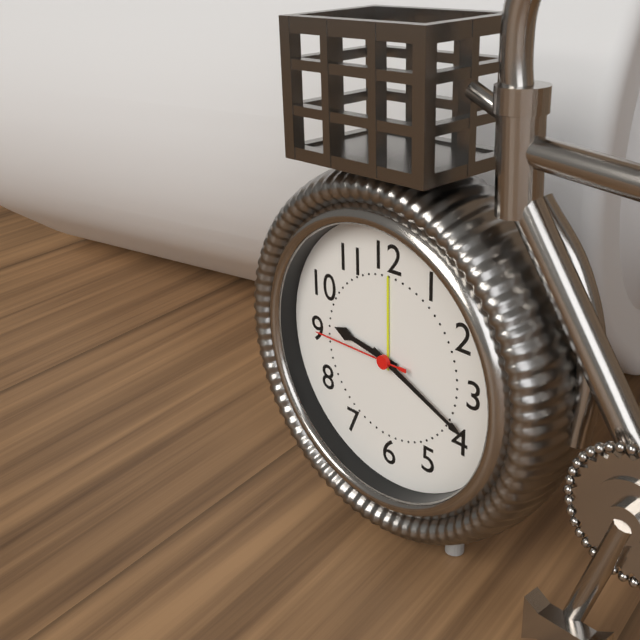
9.19.45
